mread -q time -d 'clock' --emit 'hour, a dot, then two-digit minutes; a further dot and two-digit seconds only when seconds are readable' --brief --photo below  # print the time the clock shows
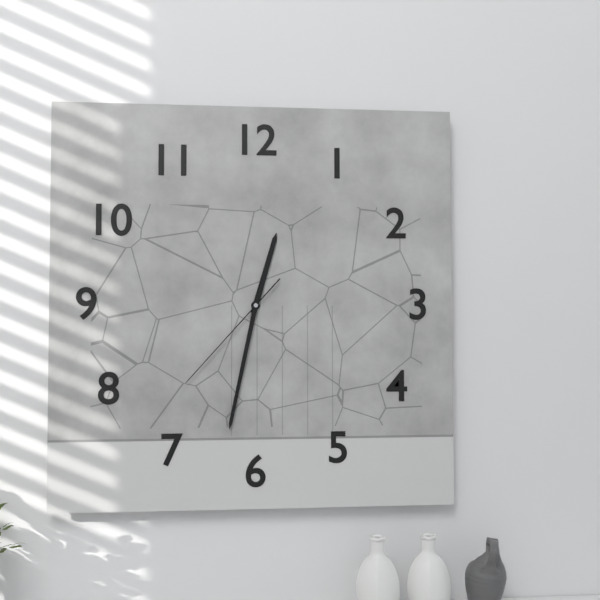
12.32.37
